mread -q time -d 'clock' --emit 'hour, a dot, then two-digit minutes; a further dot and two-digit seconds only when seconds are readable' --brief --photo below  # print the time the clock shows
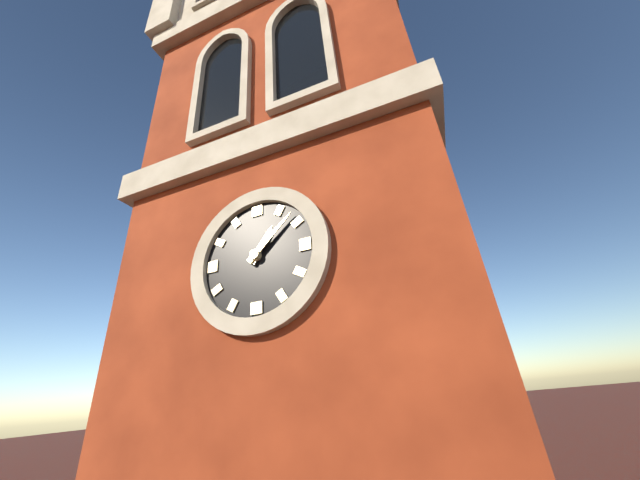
1.08
